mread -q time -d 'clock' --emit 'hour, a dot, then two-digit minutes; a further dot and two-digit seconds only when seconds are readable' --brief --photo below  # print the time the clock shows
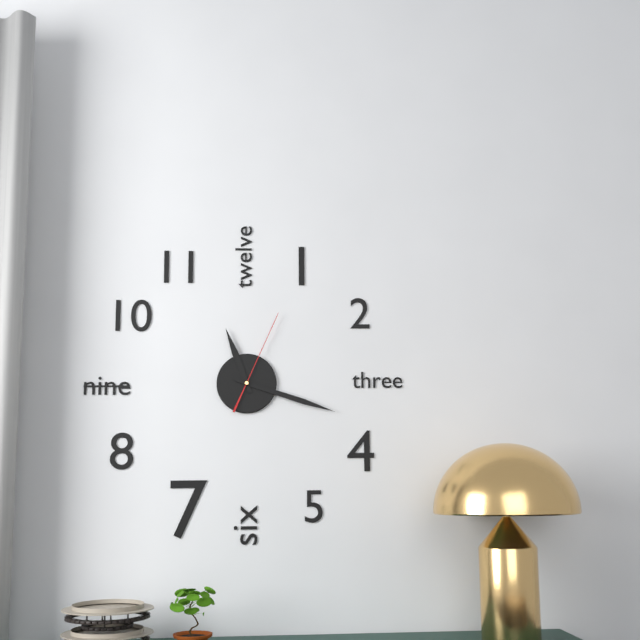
11.18.04
